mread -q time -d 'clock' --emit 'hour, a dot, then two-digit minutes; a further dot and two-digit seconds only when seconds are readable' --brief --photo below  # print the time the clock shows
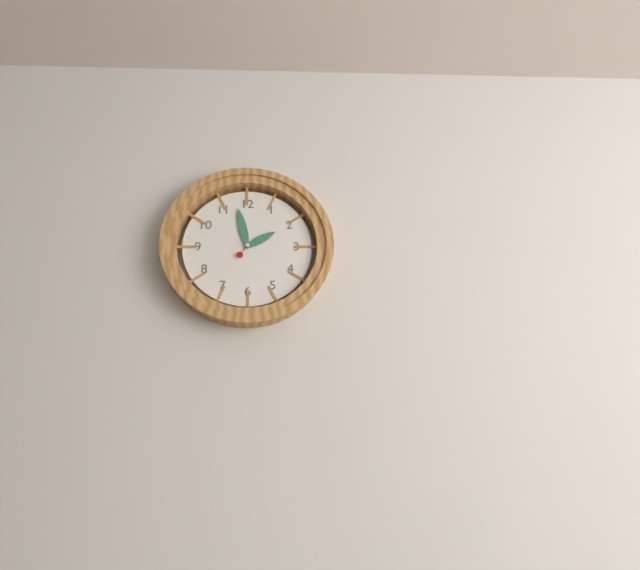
1.58
